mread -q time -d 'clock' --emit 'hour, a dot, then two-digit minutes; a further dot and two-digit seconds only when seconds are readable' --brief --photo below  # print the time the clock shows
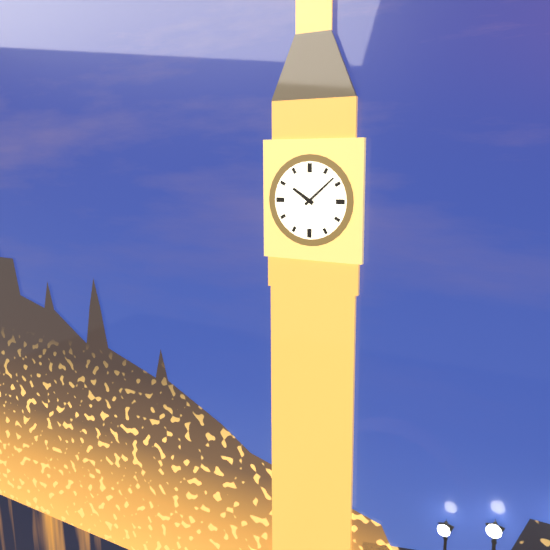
10.08
